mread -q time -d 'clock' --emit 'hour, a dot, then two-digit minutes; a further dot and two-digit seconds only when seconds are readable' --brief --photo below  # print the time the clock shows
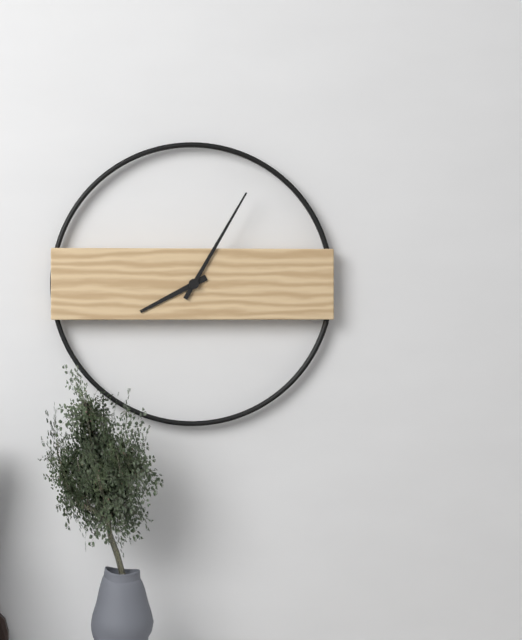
8.05
